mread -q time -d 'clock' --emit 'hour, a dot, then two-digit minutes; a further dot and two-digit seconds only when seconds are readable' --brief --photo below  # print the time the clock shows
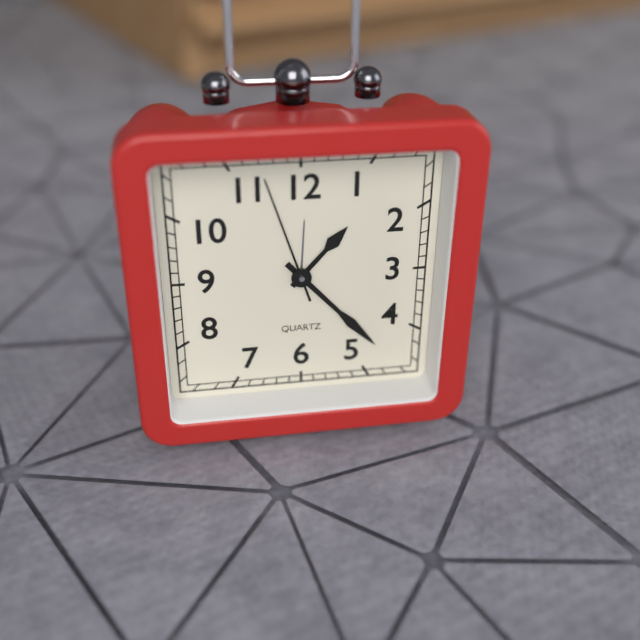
1.23.57
